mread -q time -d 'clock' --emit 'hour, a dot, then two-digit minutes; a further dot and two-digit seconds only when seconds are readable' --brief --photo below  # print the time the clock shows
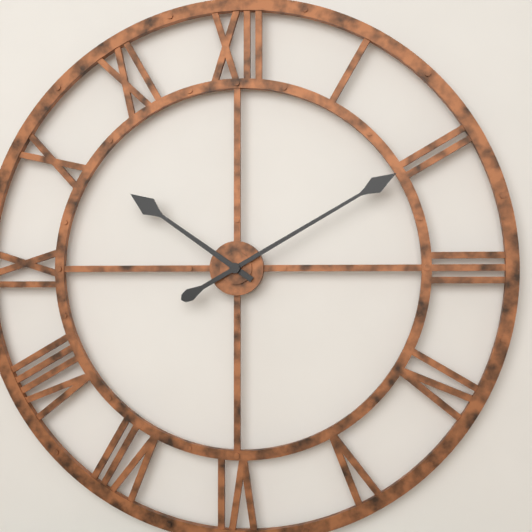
10.10
